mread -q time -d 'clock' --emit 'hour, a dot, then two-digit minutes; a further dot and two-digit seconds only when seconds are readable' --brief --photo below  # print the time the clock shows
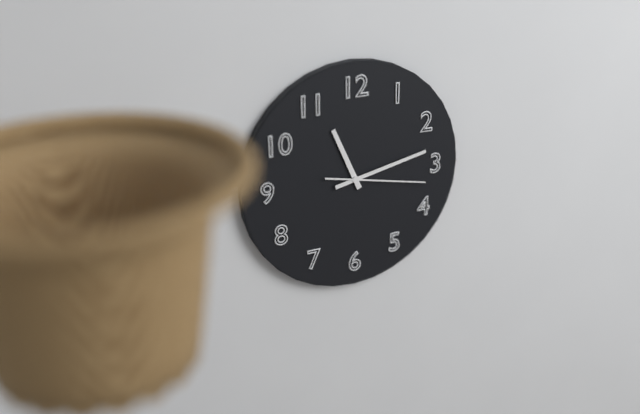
11.13.17
